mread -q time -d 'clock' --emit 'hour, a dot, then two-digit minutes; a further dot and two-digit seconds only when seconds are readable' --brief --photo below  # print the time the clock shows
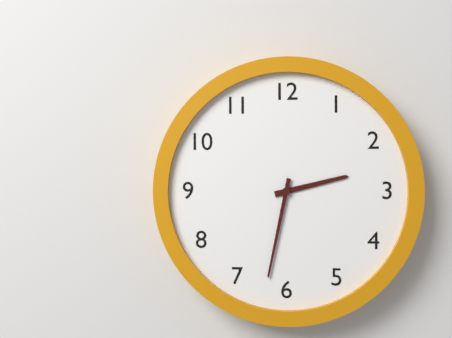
2.32
